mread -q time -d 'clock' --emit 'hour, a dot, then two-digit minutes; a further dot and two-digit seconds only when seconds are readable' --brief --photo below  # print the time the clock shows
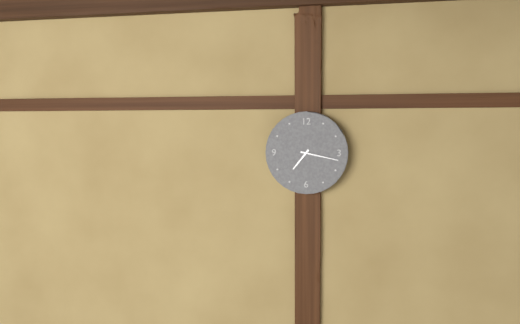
7.17
